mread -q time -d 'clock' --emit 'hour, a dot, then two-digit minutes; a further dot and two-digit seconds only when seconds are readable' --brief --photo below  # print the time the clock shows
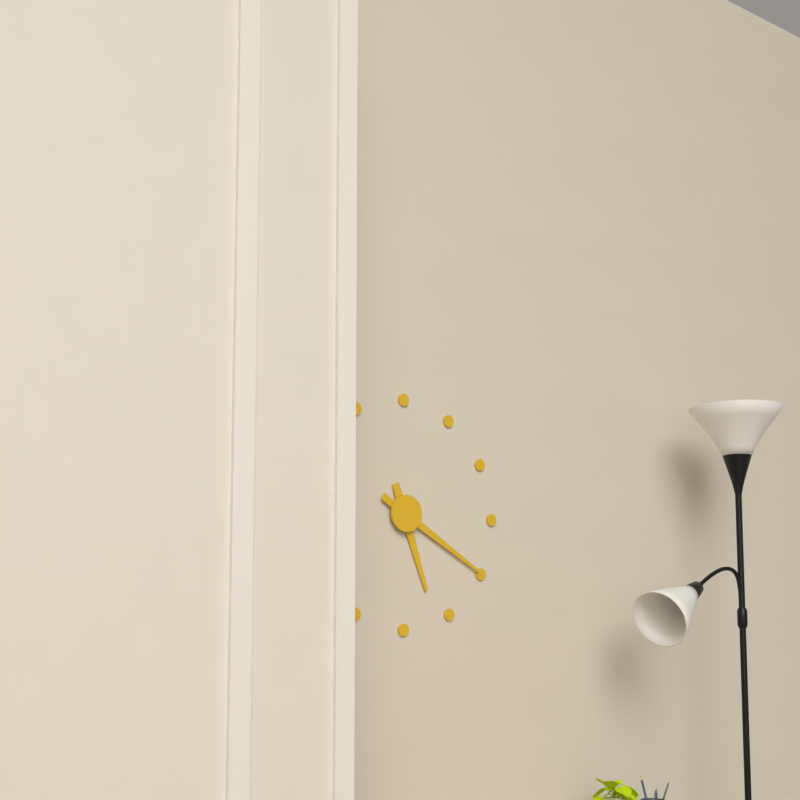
5.20
